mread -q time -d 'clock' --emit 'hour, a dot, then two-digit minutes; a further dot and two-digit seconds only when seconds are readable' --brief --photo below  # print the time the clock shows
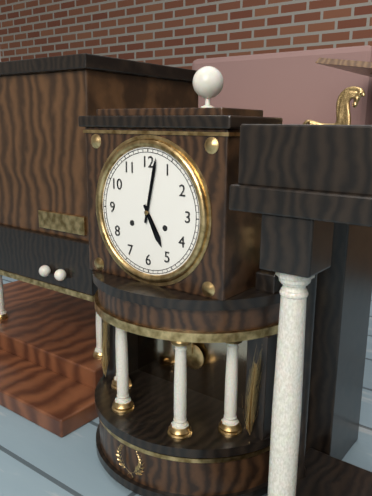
5.02
